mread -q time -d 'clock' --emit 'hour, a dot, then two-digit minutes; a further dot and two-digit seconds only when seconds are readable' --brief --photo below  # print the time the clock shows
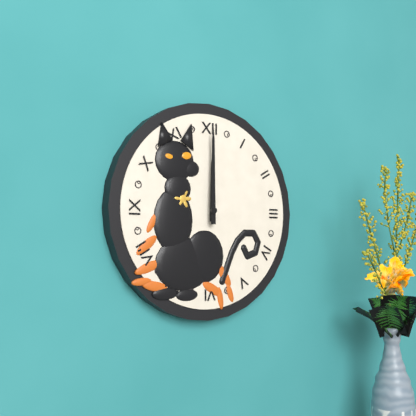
12.00
